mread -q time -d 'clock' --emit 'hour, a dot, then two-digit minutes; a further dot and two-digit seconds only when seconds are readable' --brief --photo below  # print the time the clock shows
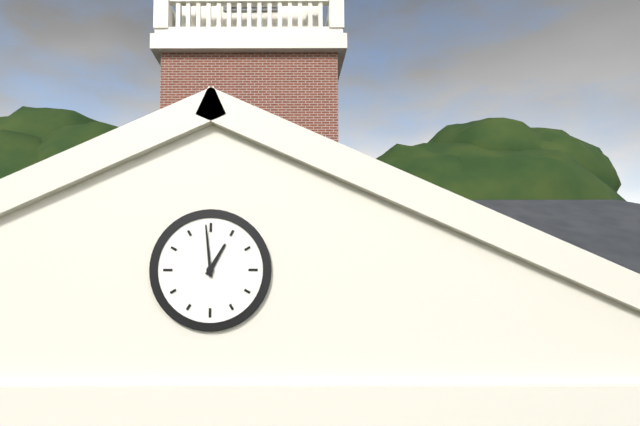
12.59
